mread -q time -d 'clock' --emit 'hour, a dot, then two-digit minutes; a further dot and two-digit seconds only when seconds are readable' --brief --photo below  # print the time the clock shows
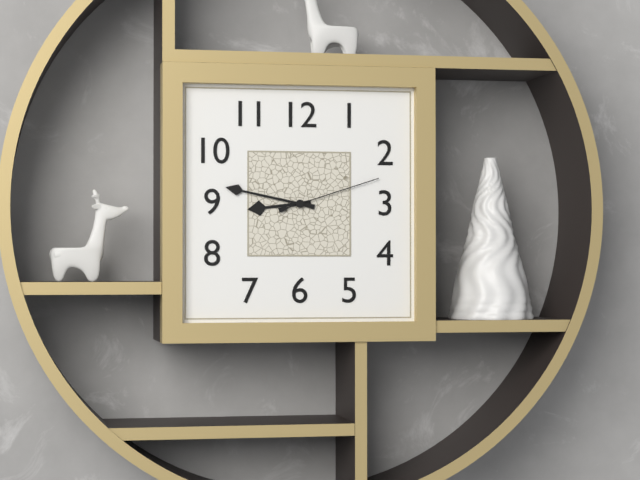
8.47.12
